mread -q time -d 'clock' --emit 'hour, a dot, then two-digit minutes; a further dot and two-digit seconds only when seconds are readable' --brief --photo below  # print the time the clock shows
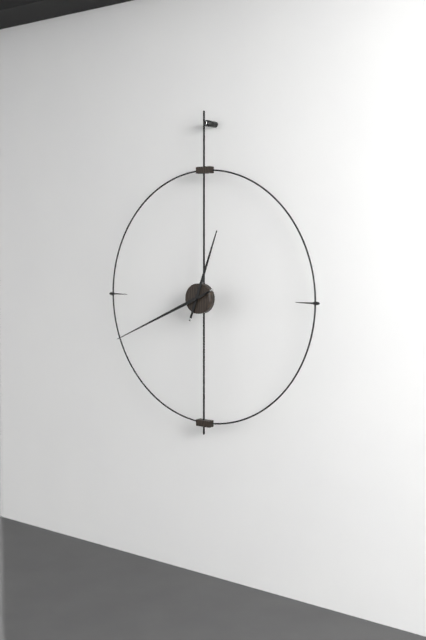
12.41
